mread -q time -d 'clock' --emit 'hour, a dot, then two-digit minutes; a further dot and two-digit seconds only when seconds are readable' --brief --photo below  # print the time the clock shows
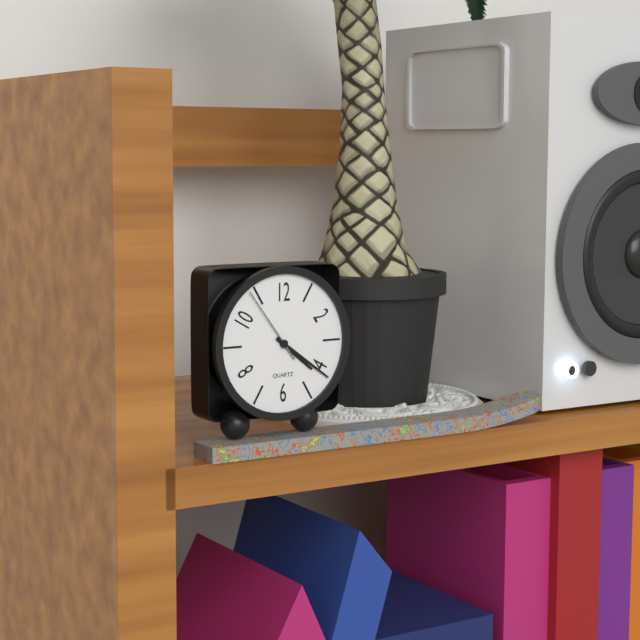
4.21.54
